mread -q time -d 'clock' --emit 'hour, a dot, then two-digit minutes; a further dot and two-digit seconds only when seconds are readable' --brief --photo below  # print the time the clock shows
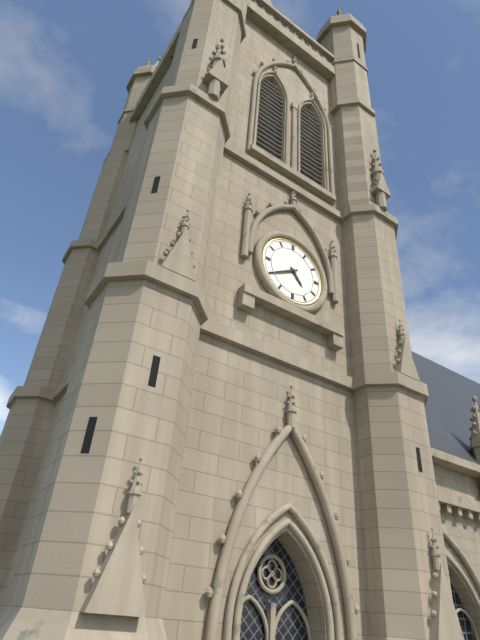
4.40
